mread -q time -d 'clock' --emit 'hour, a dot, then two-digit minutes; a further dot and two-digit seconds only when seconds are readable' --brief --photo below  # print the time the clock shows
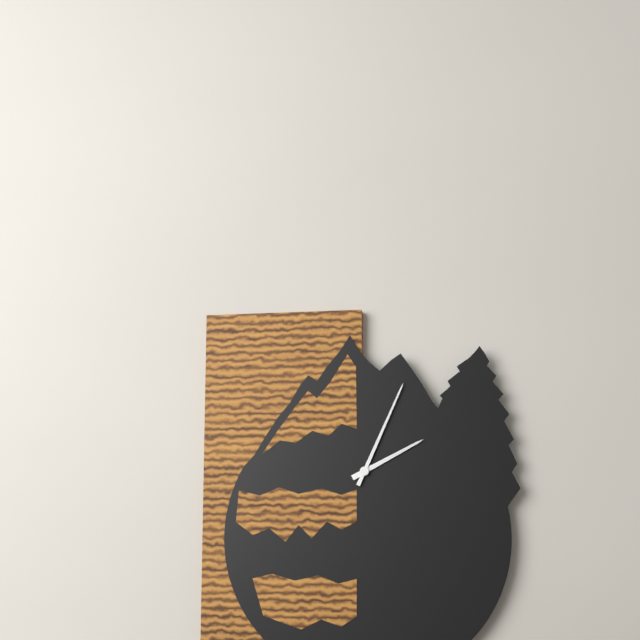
2.04
